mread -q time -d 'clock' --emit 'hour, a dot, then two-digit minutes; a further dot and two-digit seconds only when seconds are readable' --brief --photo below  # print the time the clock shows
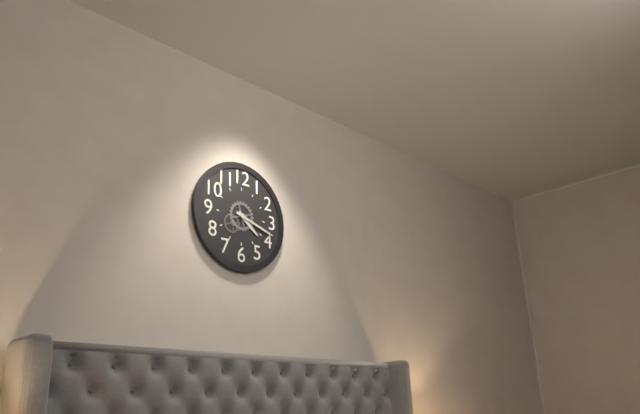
4.18
